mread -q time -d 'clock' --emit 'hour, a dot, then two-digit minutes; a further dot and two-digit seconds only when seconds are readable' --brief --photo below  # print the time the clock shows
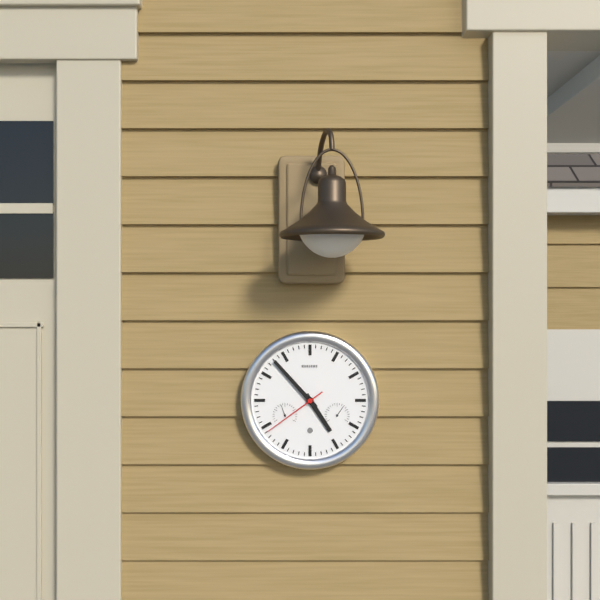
4.53.39
